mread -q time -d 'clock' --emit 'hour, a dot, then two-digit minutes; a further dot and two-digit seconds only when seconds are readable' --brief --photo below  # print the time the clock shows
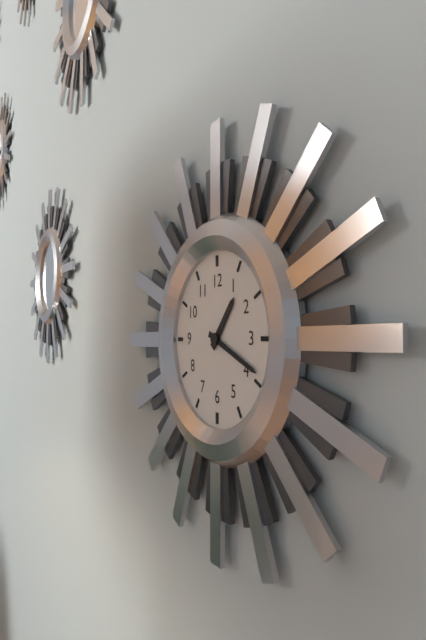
1.19
